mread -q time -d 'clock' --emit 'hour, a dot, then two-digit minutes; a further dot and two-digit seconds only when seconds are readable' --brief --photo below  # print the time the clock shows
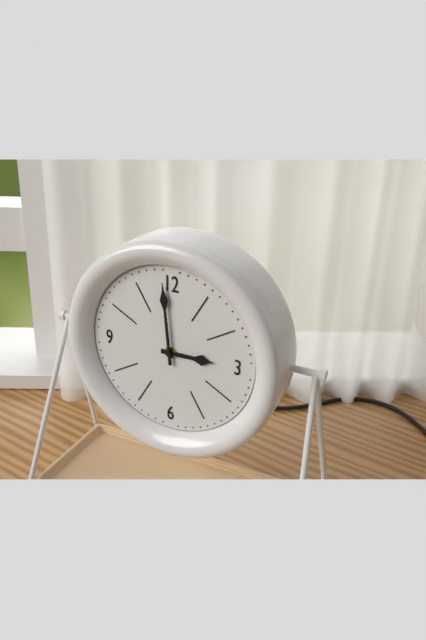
2.59
